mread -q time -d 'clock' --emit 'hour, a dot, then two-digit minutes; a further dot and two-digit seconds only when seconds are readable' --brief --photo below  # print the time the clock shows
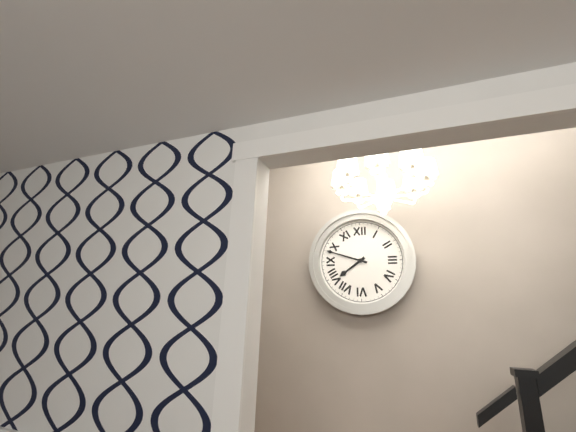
7.48
